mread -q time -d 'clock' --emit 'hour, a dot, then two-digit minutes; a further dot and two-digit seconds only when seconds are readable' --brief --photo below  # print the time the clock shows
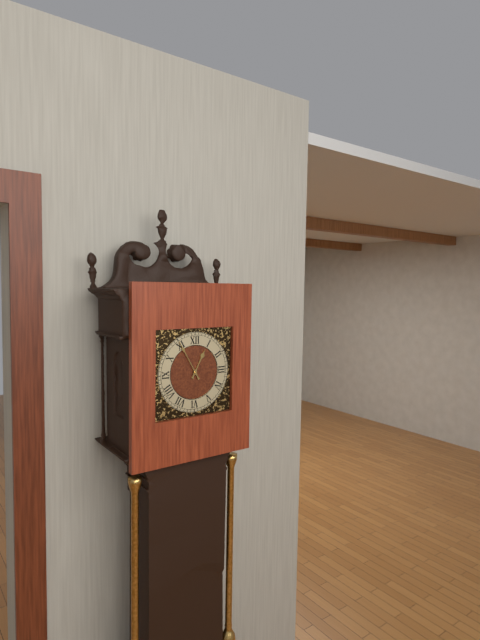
12.55
